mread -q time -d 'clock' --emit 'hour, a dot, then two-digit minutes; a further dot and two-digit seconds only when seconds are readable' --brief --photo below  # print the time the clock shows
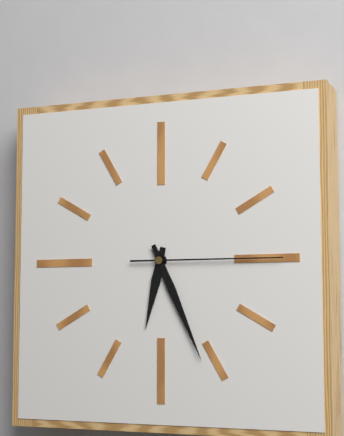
6.26.15
